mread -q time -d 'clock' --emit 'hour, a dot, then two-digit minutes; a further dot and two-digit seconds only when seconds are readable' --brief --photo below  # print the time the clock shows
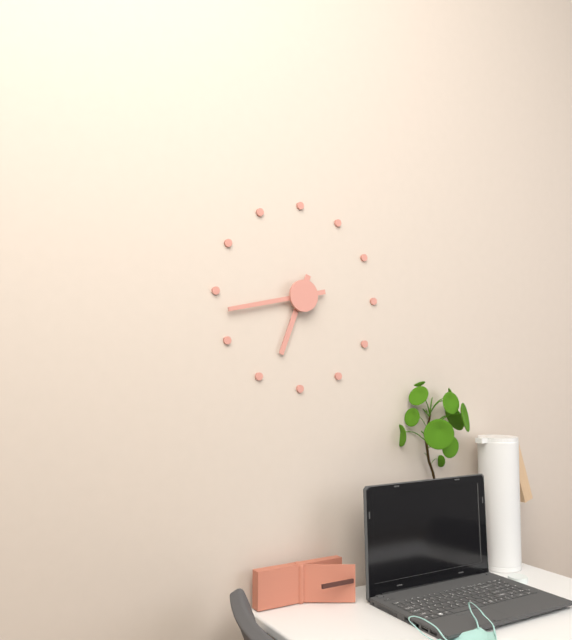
6.43
